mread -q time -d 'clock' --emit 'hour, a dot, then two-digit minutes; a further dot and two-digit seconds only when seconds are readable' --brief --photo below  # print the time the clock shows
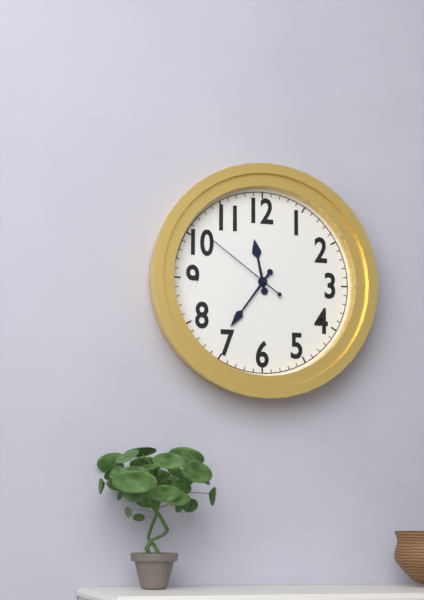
11.36.51
